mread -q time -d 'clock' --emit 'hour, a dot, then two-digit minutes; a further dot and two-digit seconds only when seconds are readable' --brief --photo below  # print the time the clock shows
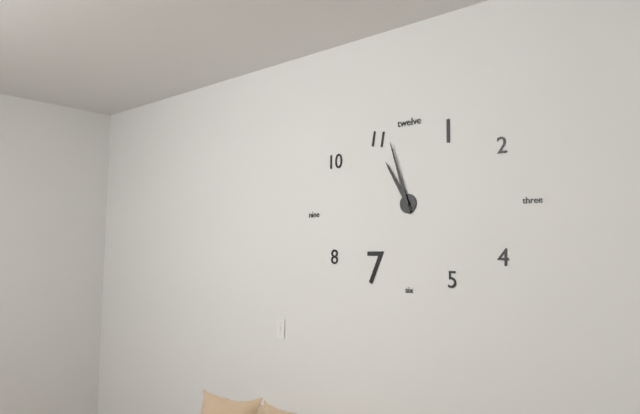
10.57
